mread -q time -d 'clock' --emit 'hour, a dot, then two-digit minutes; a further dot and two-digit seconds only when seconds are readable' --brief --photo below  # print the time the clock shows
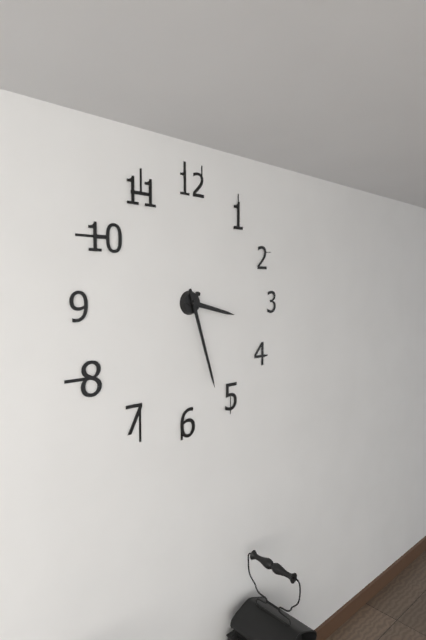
3.27
